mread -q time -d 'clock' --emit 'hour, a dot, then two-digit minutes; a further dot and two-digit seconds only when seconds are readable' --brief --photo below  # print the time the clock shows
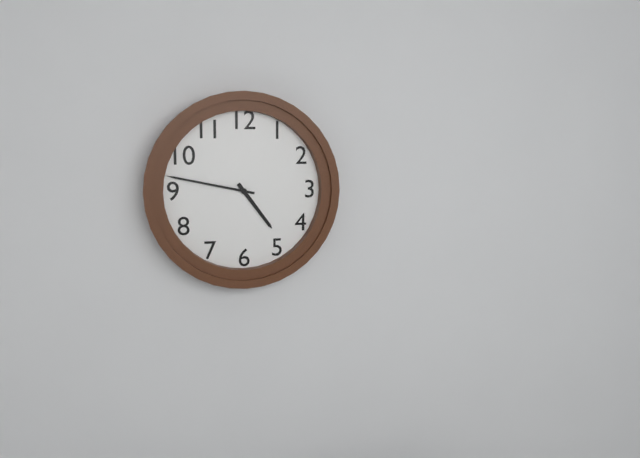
4.47
